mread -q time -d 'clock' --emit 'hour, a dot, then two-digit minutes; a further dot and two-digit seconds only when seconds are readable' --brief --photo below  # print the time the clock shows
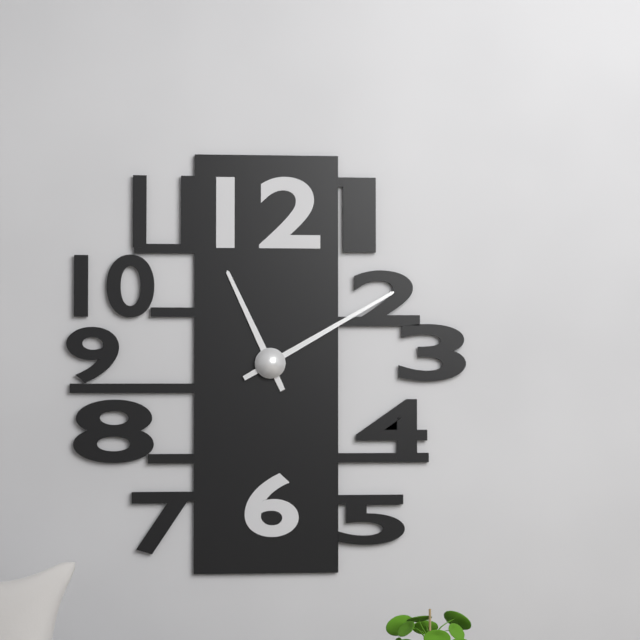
11.10
